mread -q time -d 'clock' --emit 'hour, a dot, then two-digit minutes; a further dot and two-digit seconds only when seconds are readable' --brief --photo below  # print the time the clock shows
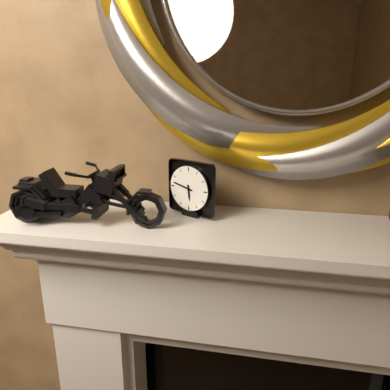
5.47
